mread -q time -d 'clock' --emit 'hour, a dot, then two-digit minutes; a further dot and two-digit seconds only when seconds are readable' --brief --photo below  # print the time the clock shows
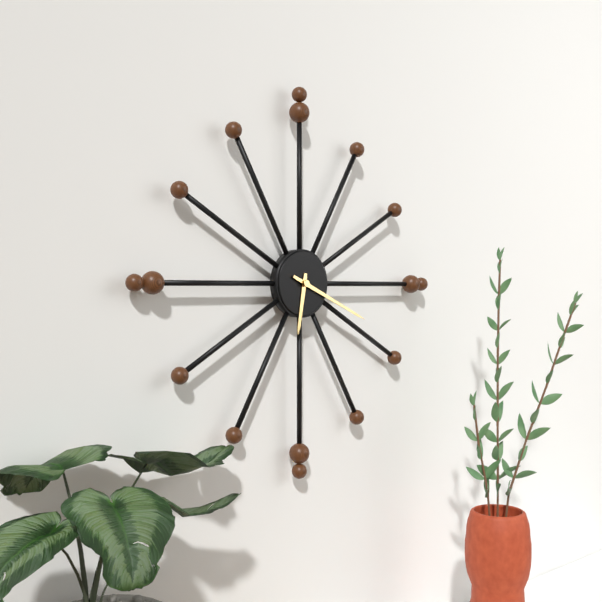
6.19
